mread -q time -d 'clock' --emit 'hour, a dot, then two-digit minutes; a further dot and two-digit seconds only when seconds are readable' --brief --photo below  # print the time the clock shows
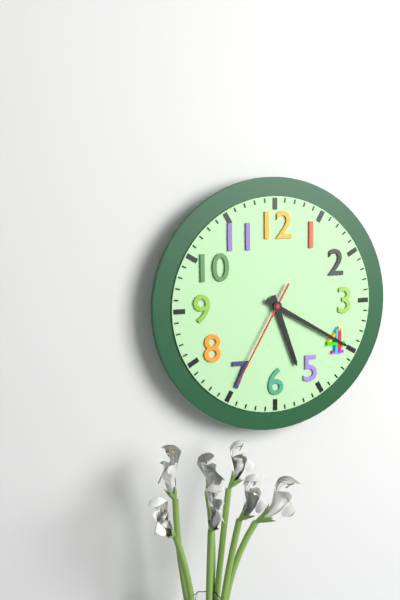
5.20.35
